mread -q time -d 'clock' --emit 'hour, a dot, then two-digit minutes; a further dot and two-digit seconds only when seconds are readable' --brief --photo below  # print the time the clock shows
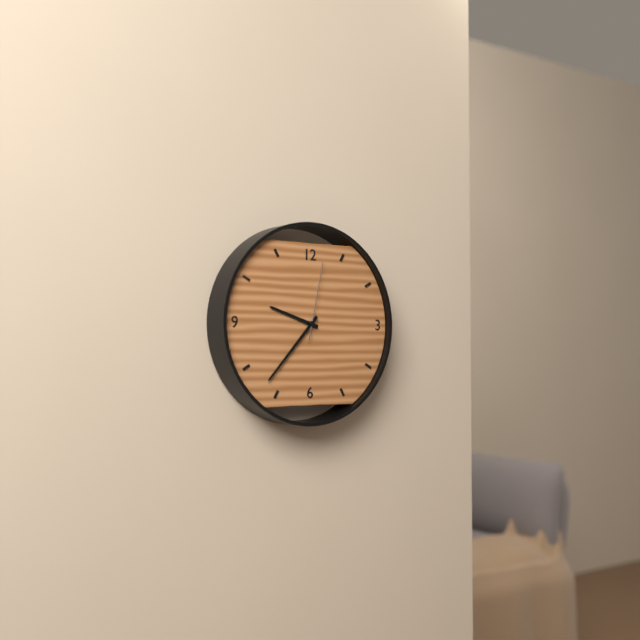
9.37.02
